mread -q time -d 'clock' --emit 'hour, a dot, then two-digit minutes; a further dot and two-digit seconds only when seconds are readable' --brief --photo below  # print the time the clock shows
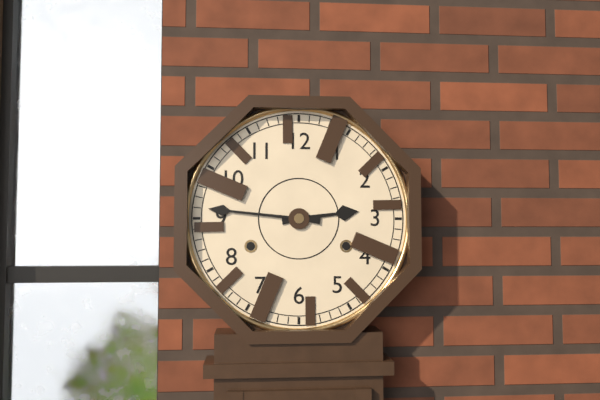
2.46
